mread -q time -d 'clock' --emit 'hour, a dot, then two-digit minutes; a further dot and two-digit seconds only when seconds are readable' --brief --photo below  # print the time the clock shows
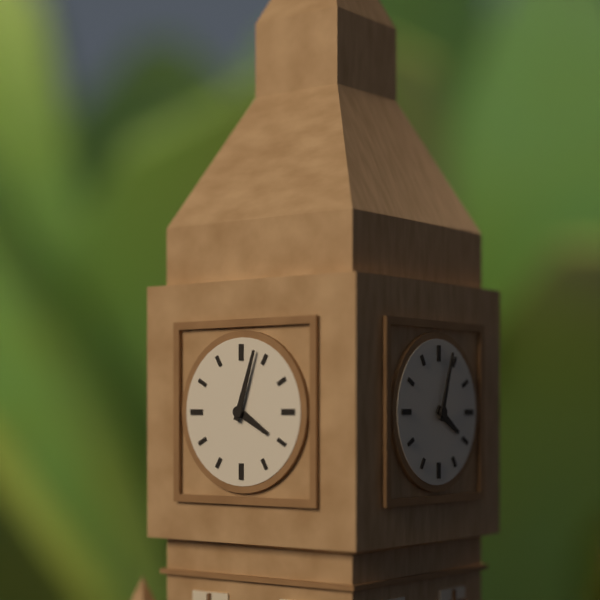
4.03
